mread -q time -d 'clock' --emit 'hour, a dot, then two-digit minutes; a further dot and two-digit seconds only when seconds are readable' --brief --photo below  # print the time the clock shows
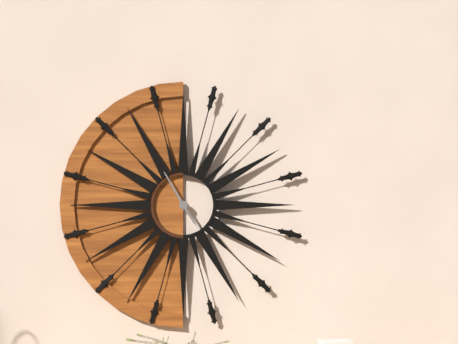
4.55
